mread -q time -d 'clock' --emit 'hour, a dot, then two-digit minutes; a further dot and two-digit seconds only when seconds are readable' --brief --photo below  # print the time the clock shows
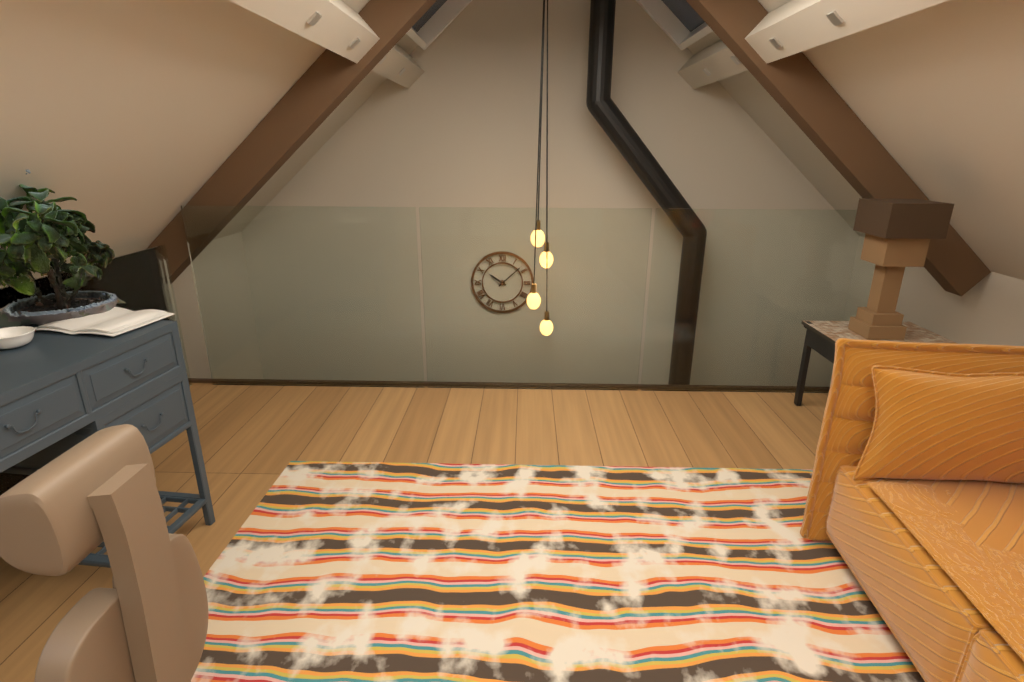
10.08
